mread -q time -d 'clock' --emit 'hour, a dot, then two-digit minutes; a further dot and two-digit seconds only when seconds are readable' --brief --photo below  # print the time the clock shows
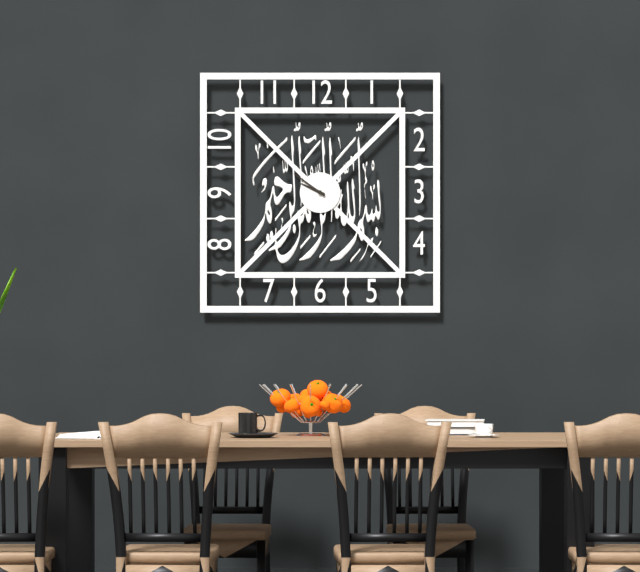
9.51
